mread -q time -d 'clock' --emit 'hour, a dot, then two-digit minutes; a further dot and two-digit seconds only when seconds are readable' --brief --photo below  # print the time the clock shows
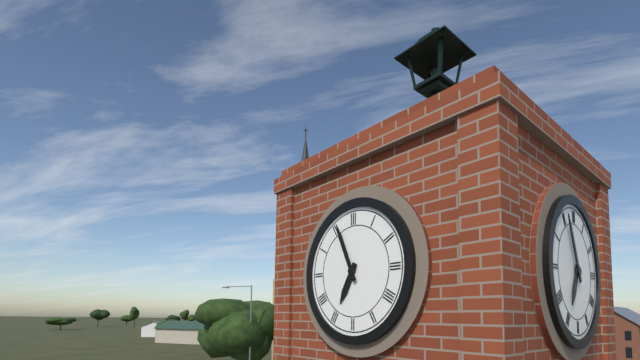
6.56
